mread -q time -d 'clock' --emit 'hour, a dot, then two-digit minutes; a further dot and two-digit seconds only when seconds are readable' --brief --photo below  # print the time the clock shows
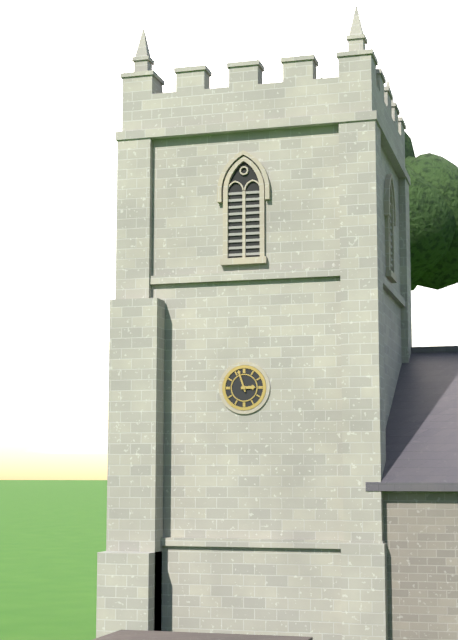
2.57
